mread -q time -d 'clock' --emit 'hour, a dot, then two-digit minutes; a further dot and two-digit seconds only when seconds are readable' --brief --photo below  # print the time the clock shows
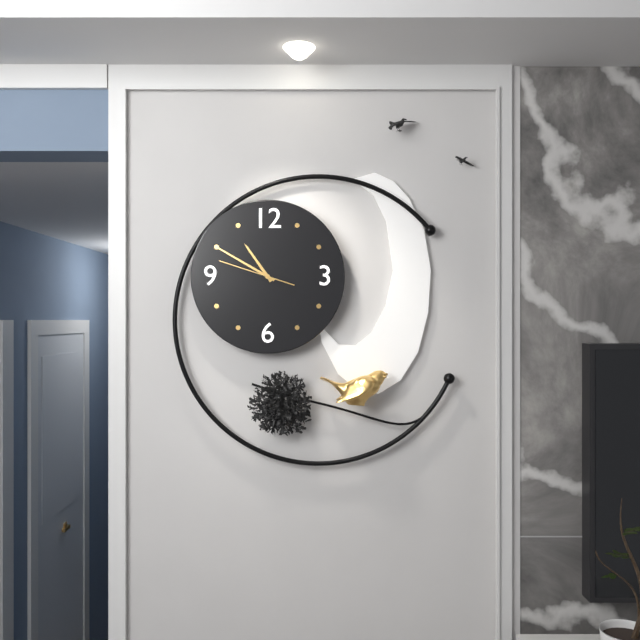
10.50.48
